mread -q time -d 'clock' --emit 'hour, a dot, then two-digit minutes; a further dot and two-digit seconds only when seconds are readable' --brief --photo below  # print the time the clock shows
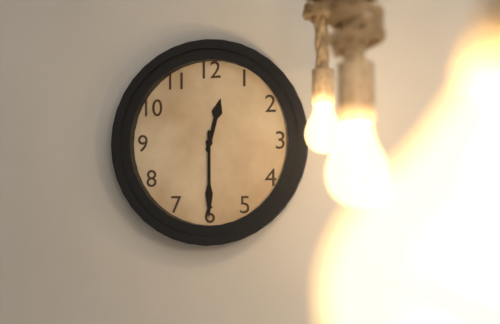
12.30
